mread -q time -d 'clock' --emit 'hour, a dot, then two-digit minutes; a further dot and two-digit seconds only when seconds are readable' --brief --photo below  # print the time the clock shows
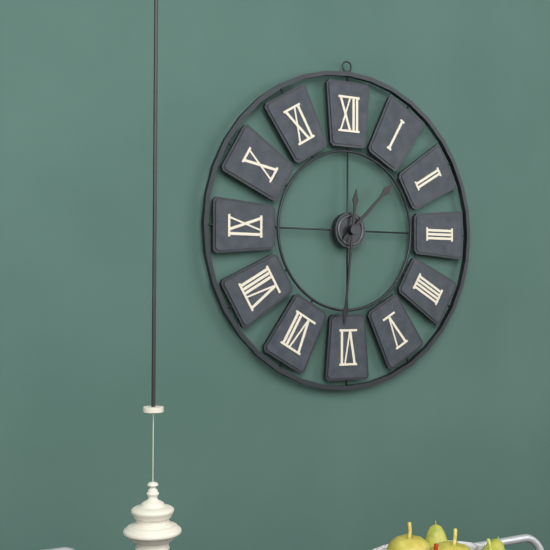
1.31
